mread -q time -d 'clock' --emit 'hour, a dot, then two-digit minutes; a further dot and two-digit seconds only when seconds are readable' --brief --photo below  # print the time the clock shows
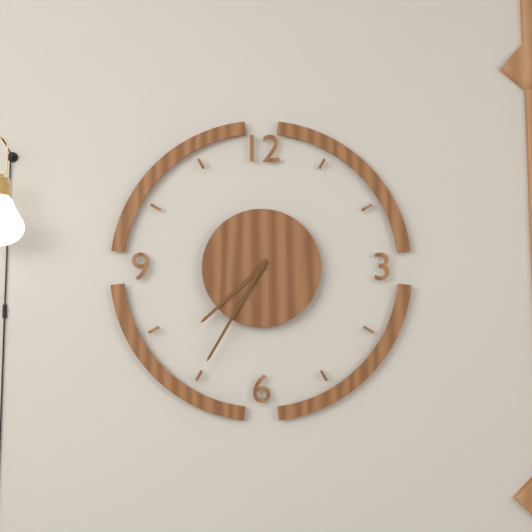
7.35
